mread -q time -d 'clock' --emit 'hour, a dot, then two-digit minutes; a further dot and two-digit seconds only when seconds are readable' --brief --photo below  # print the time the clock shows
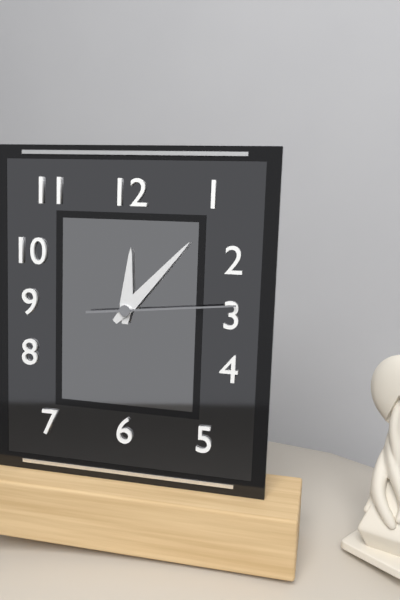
12.07.14
